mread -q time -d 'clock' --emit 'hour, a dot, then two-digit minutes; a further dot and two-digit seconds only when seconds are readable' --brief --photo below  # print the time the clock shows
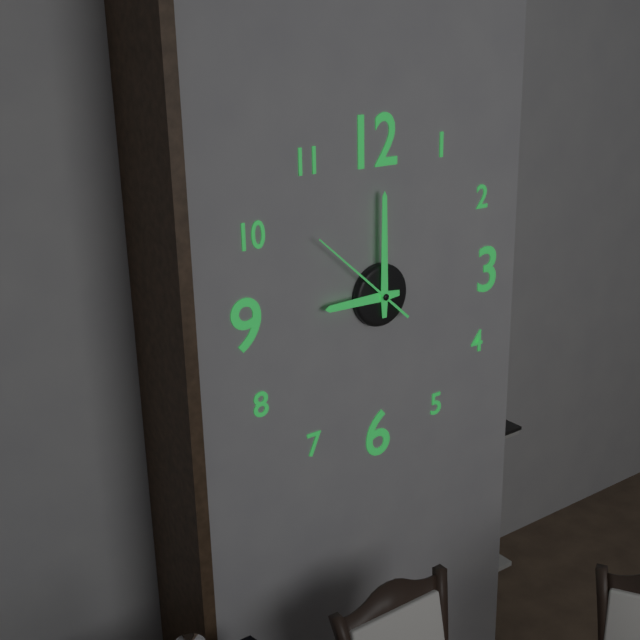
9.00.52
